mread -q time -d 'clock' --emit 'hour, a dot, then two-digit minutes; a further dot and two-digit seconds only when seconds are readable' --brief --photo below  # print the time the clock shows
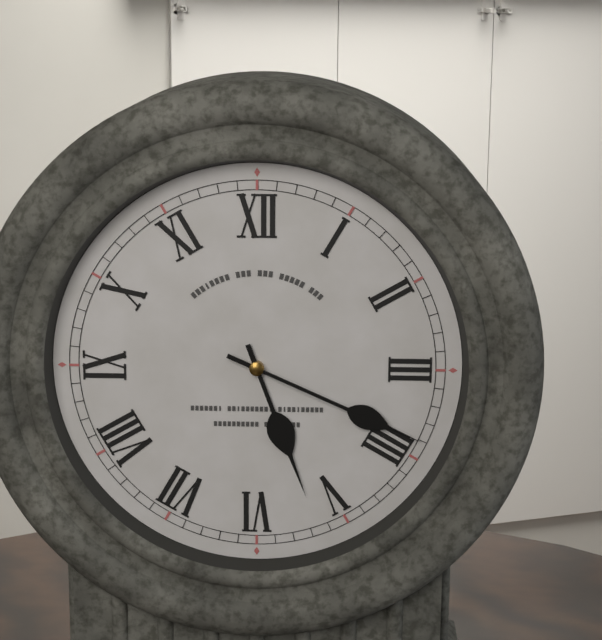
5.19
